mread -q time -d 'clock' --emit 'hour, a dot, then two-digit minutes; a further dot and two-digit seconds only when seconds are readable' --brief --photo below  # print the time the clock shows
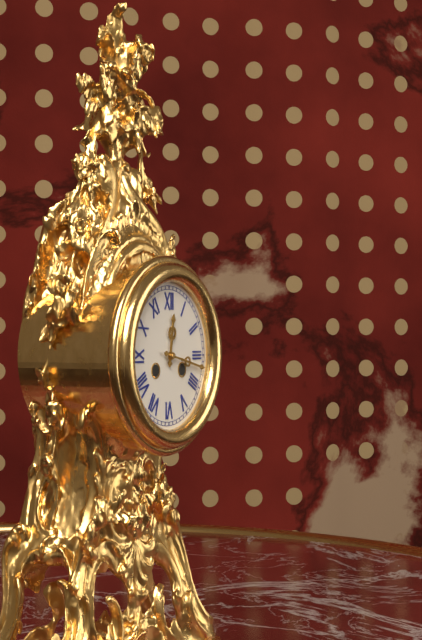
12.17
